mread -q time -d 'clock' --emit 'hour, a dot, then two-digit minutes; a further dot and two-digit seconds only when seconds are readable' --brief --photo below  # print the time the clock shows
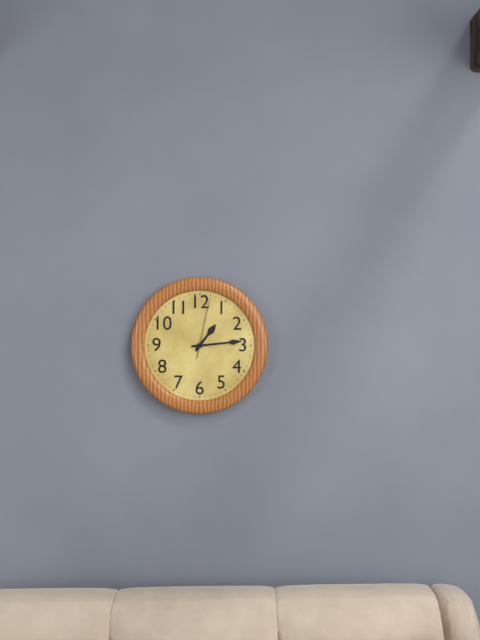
1.14.02
